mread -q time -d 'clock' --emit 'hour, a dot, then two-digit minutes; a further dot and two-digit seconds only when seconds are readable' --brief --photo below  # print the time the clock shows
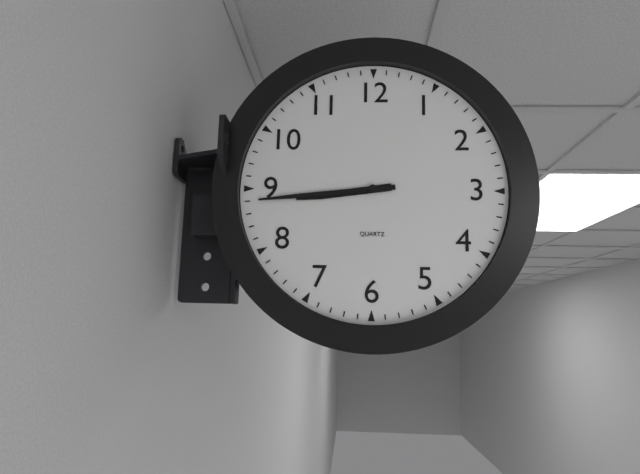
8.44
